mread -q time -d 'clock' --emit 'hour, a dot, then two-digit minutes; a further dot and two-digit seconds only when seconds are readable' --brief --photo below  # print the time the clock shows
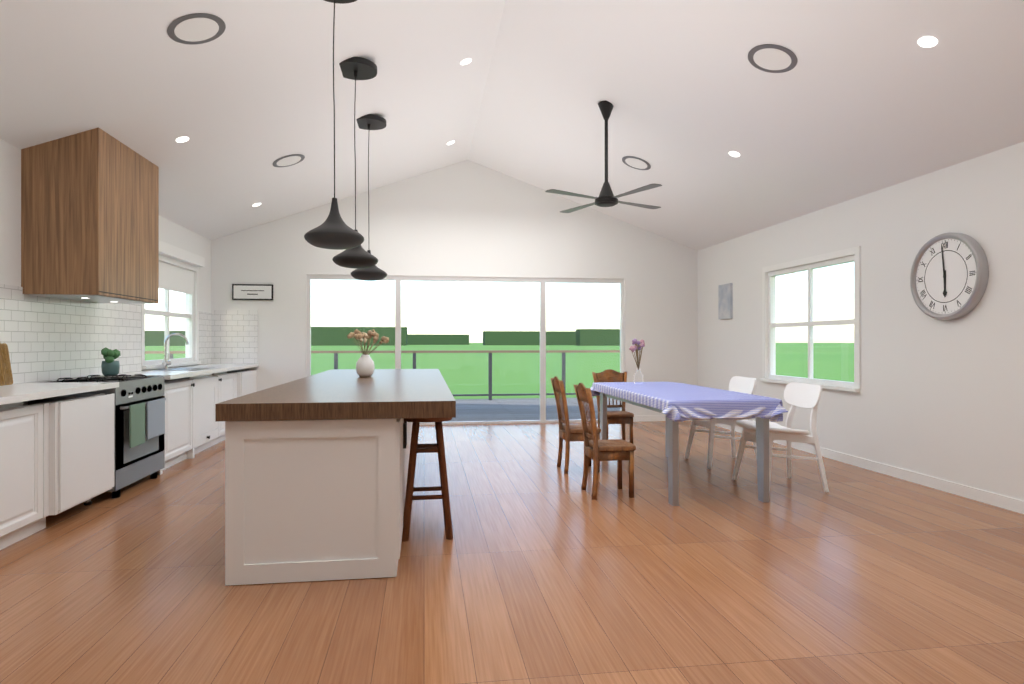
5.59
